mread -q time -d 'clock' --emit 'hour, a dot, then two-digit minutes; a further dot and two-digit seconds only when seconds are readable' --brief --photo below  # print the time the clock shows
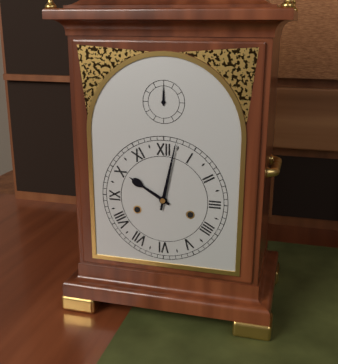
10.02
